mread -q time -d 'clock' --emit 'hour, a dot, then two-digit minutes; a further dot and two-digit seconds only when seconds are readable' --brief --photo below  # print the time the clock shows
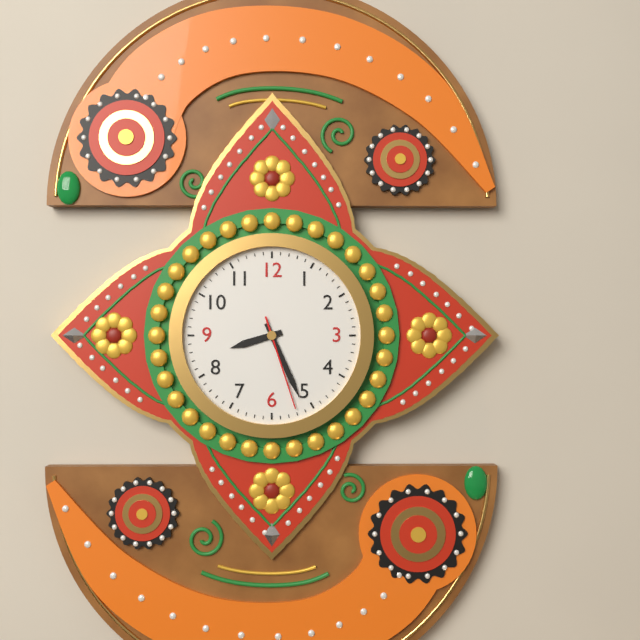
8.26.27
